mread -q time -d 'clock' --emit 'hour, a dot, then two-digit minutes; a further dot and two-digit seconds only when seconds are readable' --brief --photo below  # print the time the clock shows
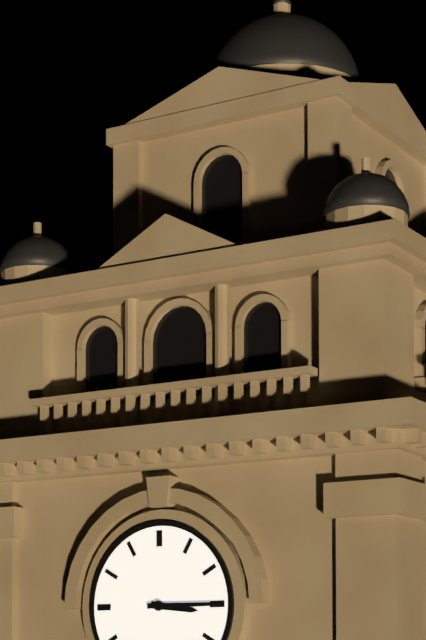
3.15
